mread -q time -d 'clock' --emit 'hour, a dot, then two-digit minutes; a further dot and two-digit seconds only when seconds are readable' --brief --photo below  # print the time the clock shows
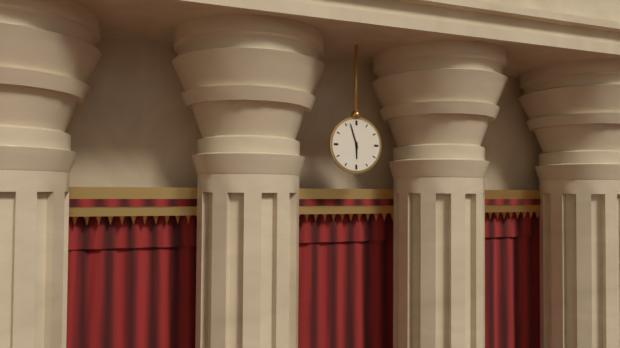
5.57
